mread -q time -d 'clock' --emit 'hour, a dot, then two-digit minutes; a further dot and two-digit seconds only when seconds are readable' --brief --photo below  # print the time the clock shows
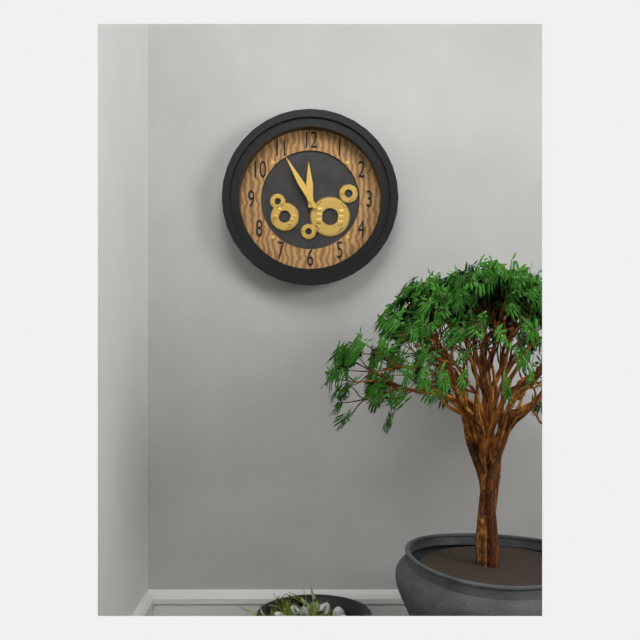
11.55
